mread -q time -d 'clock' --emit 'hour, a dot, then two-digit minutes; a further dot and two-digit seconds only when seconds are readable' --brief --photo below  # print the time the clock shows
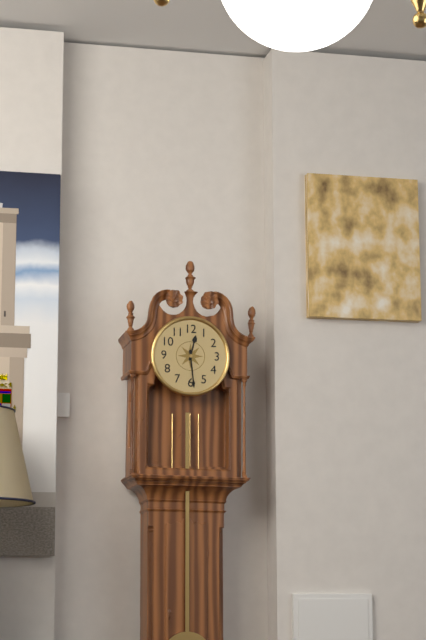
12.29
